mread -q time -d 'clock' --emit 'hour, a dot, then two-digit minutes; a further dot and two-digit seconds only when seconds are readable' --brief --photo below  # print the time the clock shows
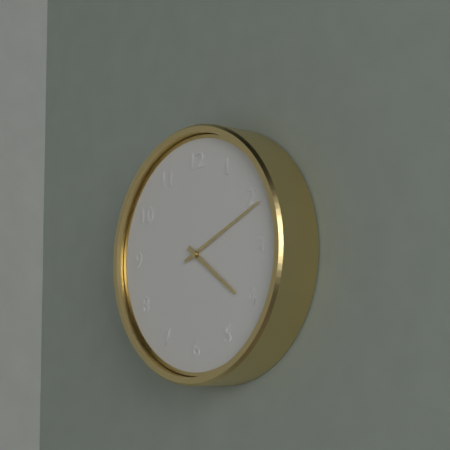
4.11
